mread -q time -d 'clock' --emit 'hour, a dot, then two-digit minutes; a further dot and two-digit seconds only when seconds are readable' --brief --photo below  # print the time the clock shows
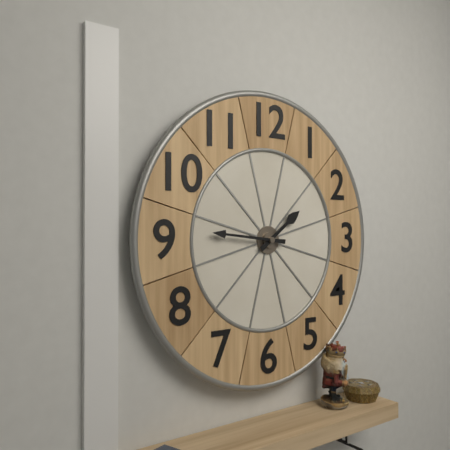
1.46
